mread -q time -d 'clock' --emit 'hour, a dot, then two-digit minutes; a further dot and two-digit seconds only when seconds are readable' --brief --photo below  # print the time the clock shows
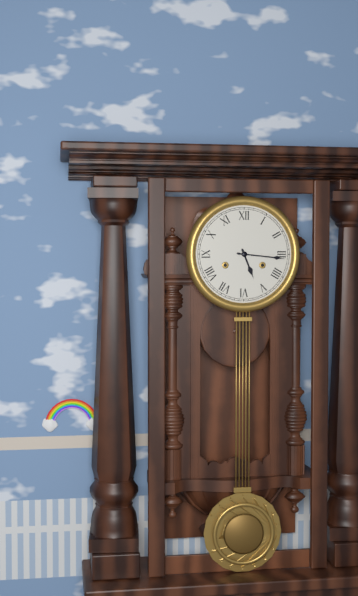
5.16
